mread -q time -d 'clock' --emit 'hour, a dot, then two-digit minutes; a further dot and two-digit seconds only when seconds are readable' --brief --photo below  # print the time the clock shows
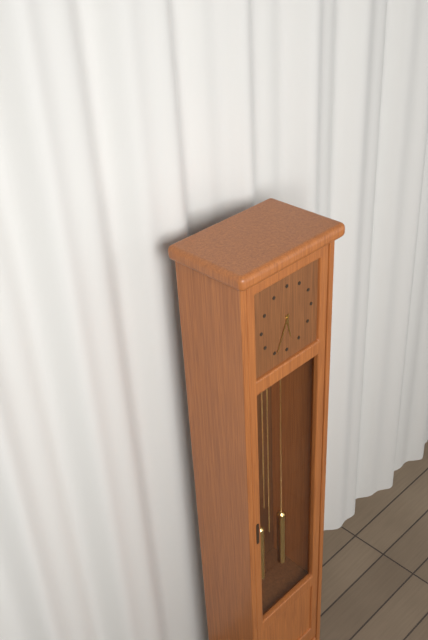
5.34
